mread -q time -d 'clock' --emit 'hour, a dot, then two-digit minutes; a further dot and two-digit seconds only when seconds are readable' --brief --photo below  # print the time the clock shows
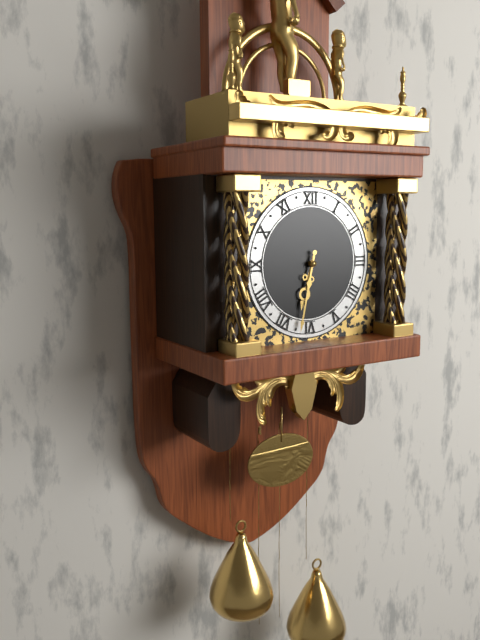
6.32
